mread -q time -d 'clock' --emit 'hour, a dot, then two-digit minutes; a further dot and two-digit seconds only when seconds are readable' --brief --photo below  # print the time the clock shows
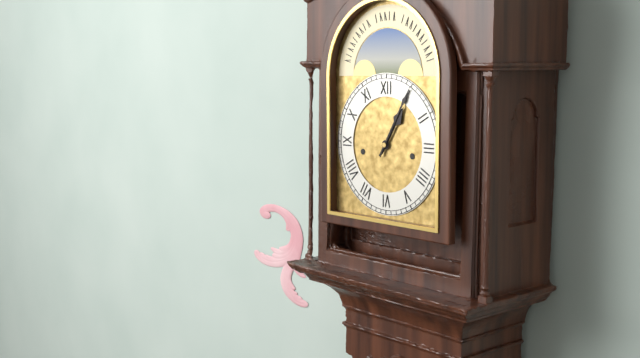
1.05
